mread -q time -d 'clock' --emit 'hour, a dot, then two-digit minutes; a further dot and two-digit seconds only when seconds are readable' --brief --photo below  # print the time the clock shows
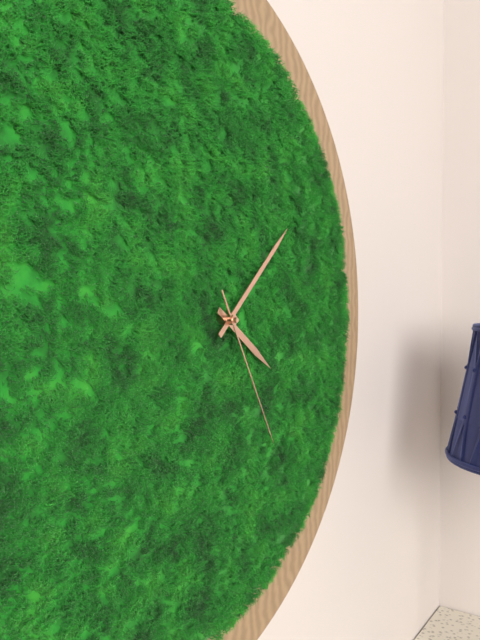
4.08.25
